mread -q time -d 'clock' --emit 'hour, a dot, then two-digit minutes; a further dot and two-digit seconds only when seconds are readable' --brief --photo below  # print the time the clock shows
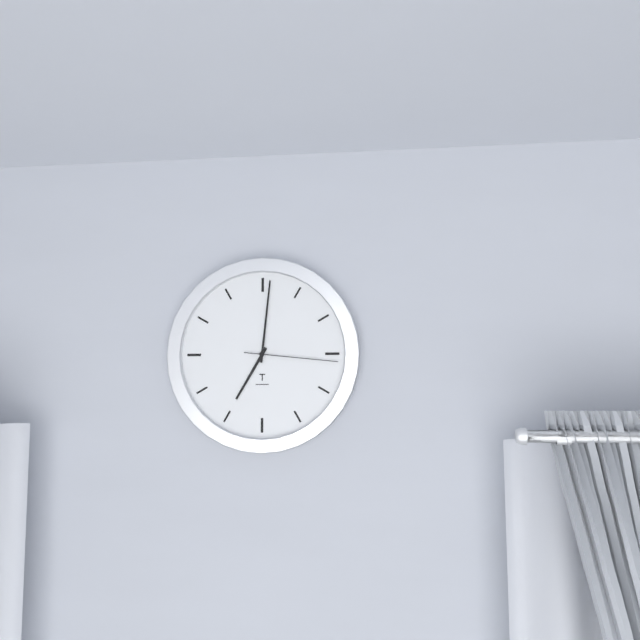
7.01.16
